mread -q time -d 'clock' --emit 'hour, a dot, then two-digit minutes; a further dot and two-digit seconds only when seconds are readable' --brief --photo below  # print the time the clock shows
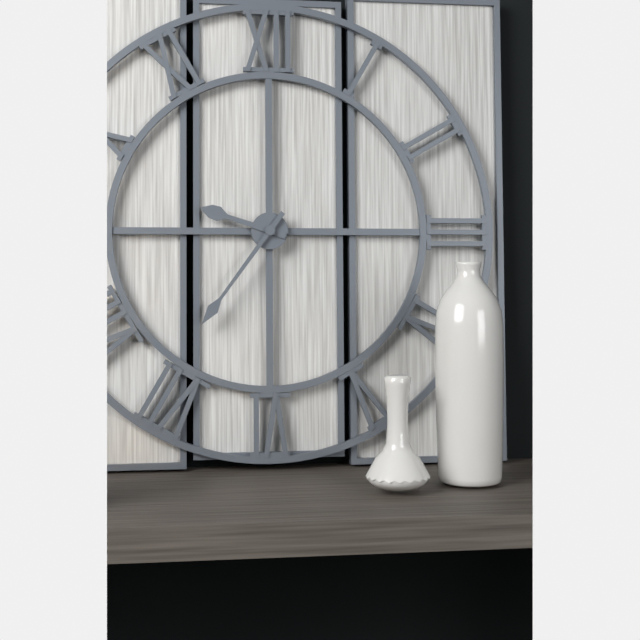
9.36
